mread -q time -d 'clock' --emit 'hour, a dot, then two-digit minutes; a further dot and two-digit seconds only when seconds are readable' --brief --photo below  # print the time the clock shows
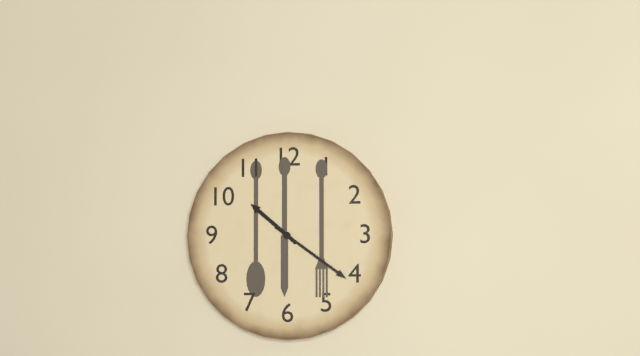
10.21
